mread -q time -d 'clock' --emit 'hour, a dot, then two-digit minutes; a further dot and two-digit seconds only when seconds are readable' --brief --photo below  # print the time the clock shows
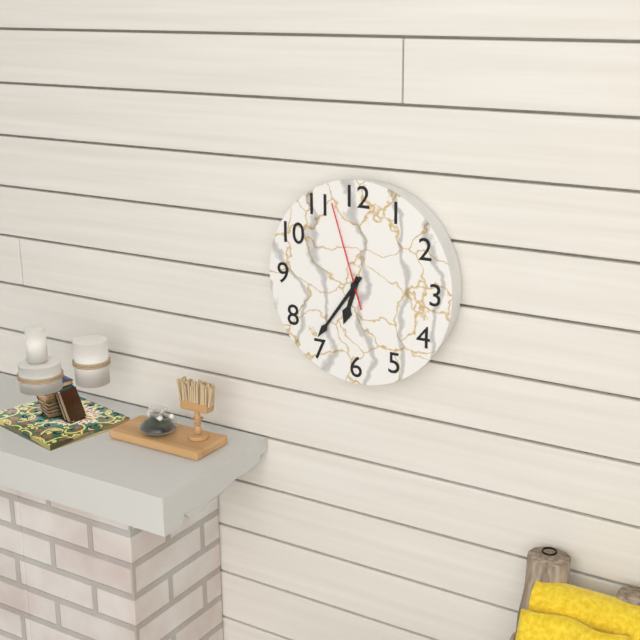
6.36.57
